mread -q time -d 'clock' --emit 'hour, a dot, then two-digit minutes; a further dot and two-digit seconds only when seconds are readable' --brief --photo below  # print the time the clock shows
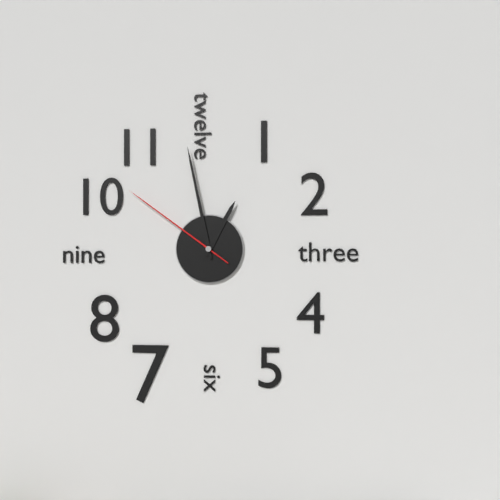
12.58.51
